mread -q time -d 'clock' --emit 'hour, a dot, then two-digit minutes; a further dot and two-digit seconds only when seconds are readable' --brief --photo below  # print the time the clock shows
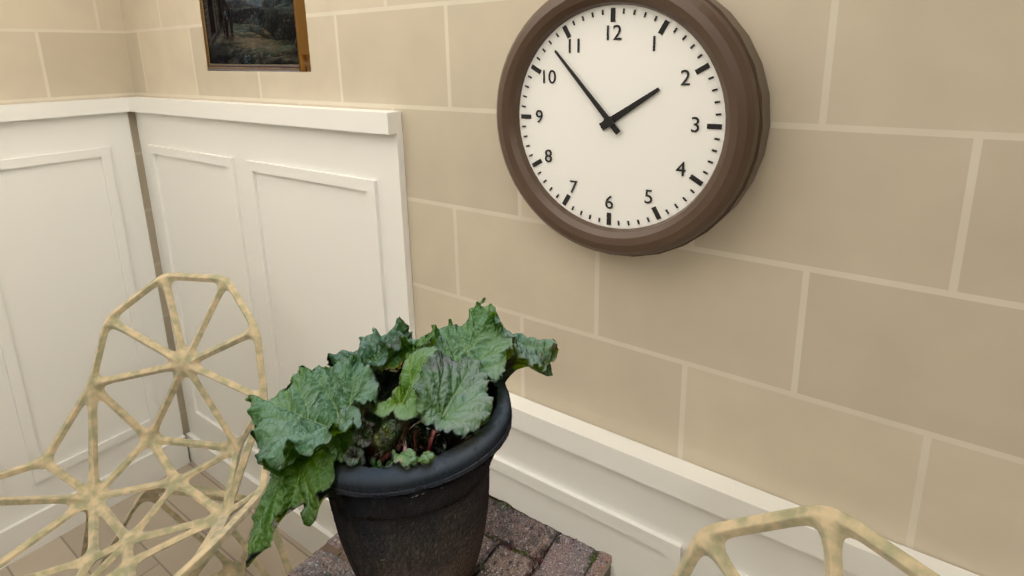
1.53
